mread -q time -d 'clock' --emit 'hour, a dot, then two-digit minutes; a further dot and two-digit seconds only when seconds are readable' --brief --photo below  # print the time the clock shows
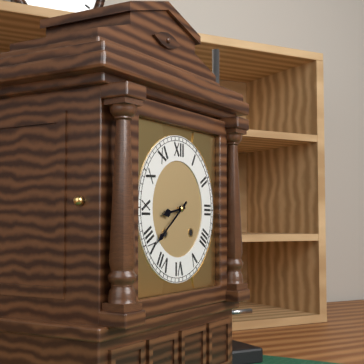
8.39
